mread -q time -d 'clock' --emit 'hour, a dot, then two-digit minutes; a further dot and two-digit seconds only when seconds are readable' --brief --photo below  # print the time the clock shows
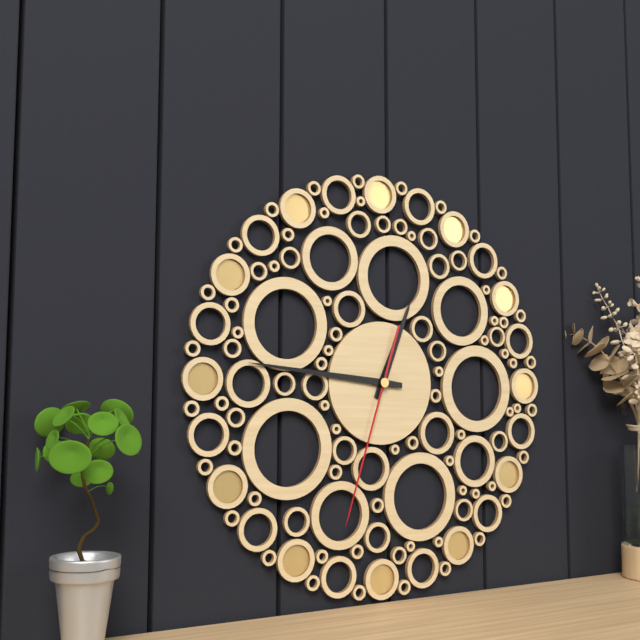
12.46.33
